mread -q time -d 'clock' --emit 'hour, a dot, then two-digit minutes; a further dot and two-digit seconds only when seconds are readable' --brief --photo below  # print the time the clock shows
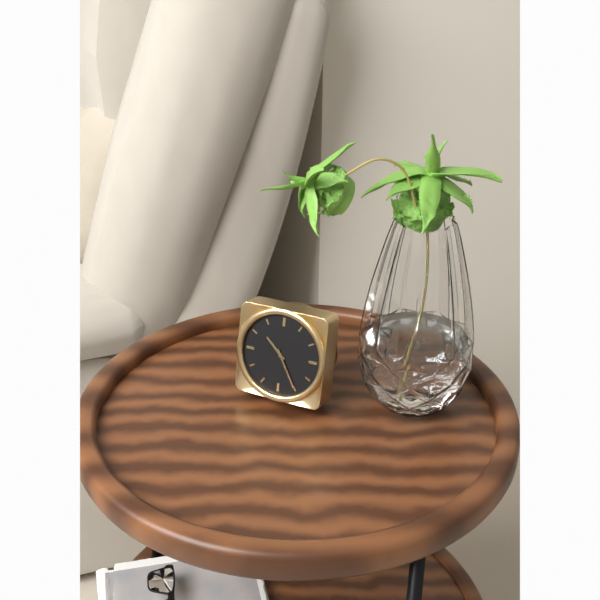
10.25
